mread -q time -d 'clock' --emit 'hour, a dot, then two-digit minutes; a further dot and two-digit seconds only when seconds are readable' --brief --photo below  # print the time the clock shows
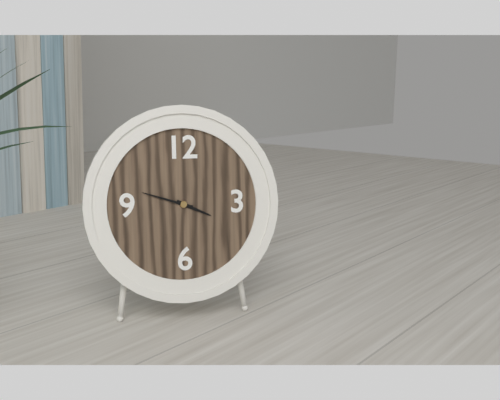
3.48
